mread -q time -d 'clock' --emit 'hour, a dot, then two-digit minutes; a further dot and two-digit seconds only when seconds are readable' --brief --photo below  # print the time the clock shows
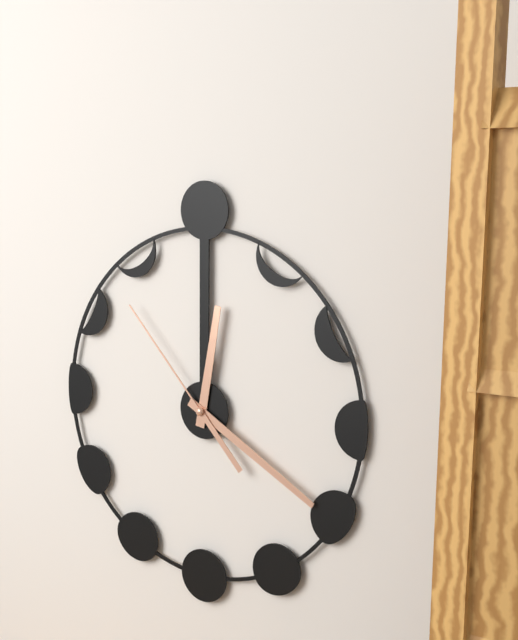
12.20.53
